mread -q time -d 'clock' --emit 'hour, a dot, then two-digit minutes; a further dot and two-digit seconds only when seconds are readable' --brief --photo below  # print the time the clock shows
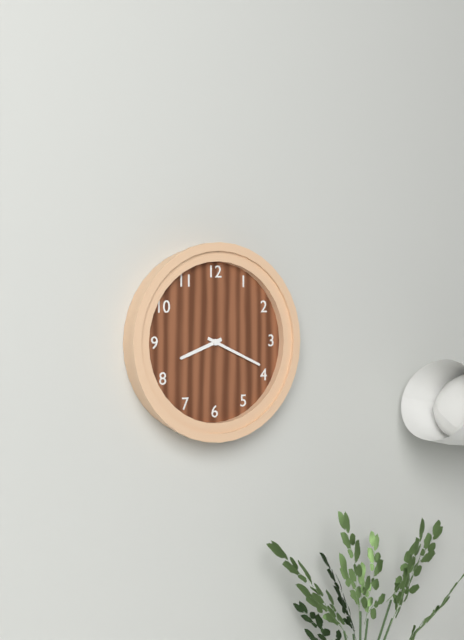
8.19
